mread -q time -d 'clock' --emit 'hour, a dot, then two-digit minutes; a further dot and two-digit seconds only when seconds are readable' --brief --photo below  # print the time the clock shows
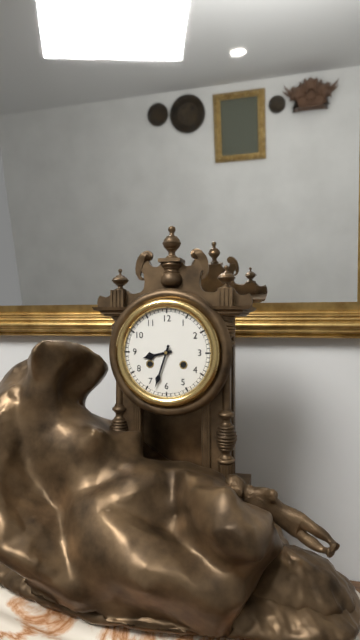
8.33
